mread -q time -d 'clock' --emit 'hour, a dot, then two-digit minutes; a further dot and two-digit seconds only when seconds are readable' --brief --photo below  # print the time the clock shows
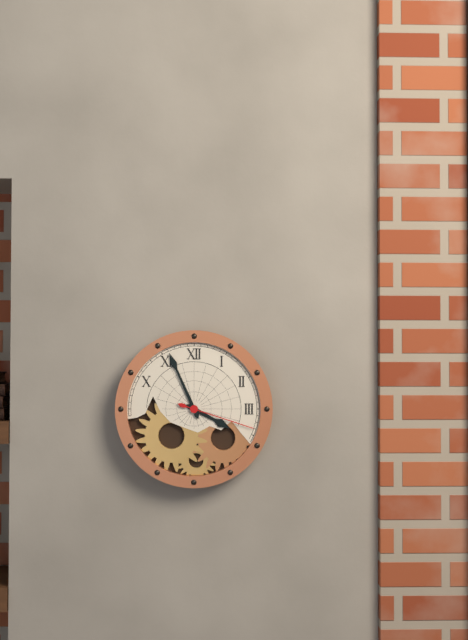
3.56.18
